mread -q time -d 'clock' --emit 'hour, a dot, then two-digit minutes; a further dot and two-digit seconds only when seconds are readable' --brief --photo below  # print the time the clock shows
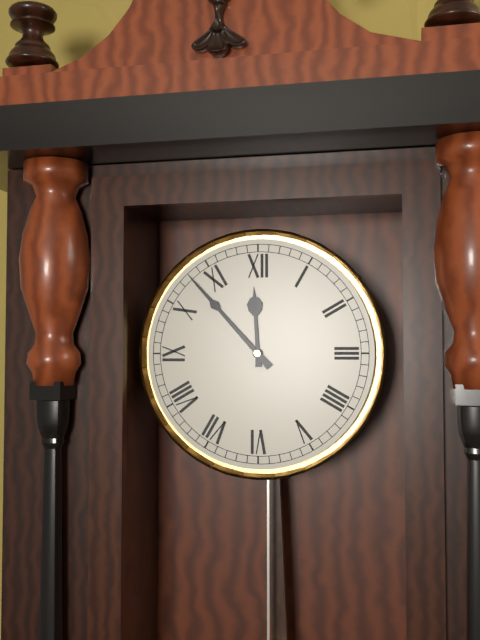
11.53
